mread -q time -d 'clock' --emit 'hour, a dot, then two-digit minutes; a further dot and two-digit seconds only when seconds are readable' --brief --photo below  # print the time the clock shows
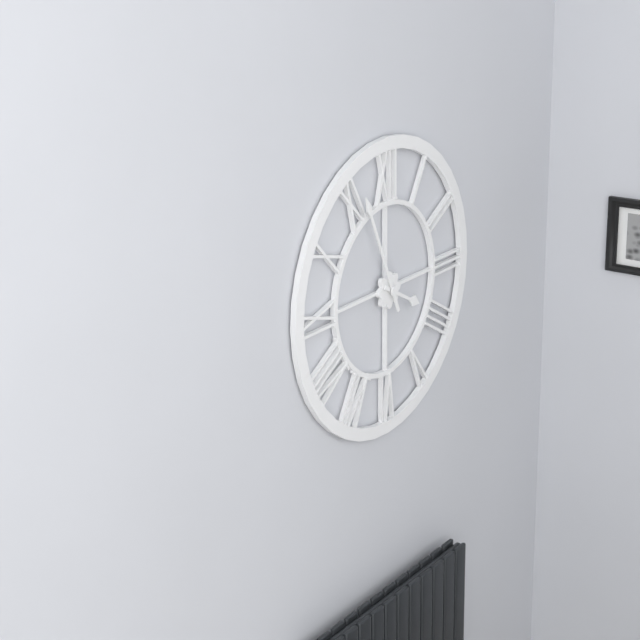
3.56
